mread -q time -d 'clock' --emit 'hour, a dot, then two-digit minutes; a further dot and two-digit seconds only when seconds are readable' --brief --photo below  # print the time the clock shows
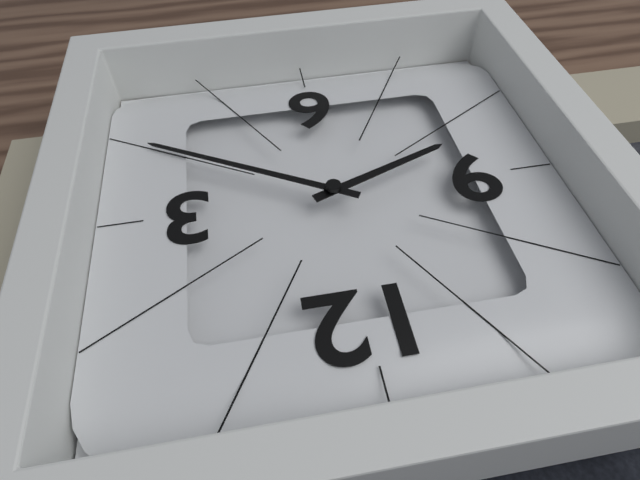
8.20
